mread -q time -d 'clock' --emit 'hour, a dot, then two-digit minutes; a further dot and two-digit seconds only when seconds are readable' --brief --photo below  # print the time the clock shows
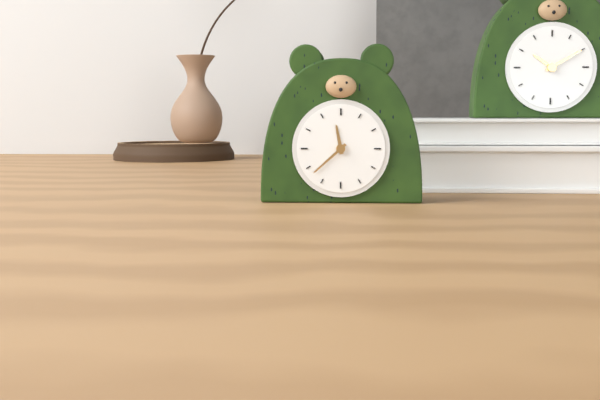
11.38
